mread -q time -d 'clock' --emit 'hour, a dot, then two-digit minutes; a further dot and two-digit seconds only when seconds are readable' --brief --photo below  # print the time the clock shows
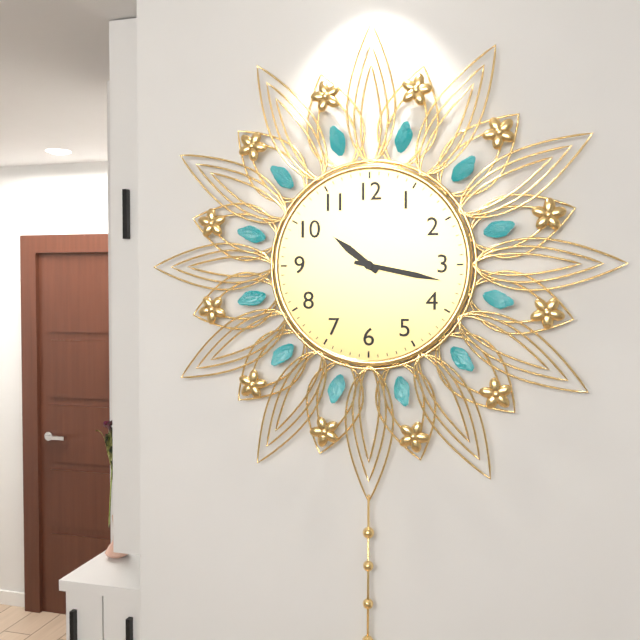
10.17
